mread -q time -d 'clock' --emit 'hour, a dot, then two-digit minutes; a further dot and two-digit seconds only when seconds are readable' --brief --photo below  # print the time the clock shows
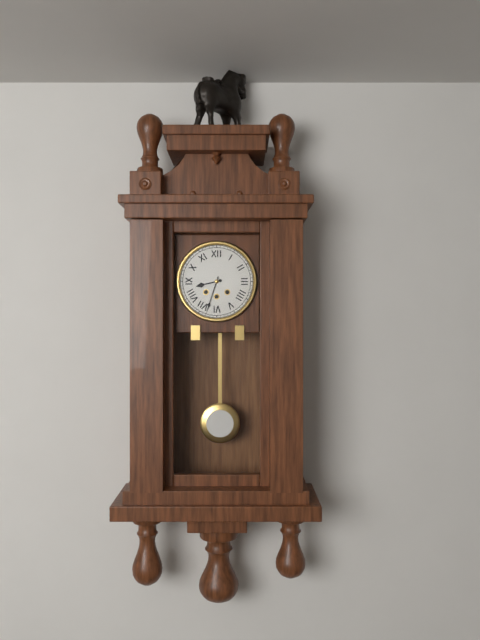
8.33
